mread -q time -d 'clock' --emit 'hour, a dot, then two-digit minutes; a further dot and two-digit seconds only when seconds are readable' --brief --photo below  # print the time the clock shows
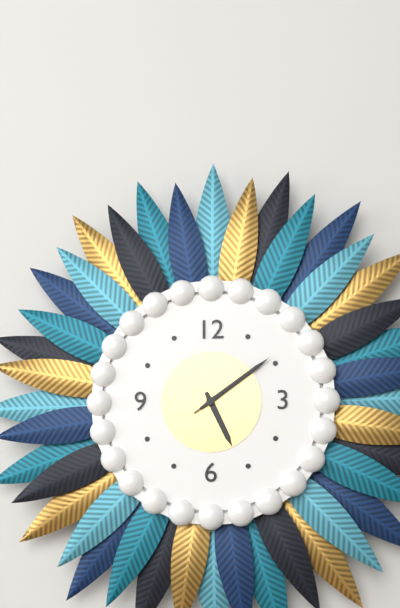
5.09.09
